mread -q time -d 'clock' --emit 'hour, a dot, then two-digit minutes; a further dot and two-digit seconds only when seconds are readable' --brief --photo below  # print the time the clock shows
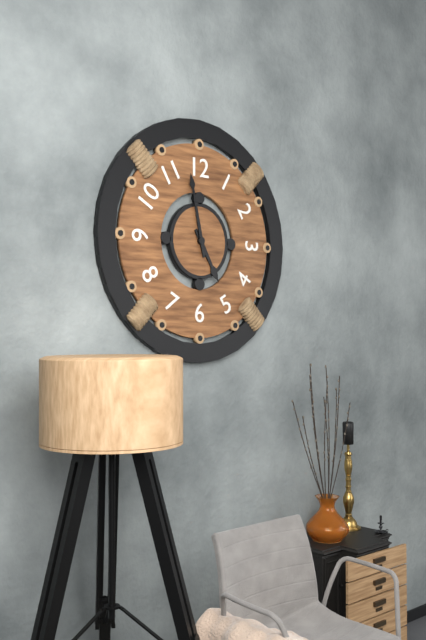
4.58
